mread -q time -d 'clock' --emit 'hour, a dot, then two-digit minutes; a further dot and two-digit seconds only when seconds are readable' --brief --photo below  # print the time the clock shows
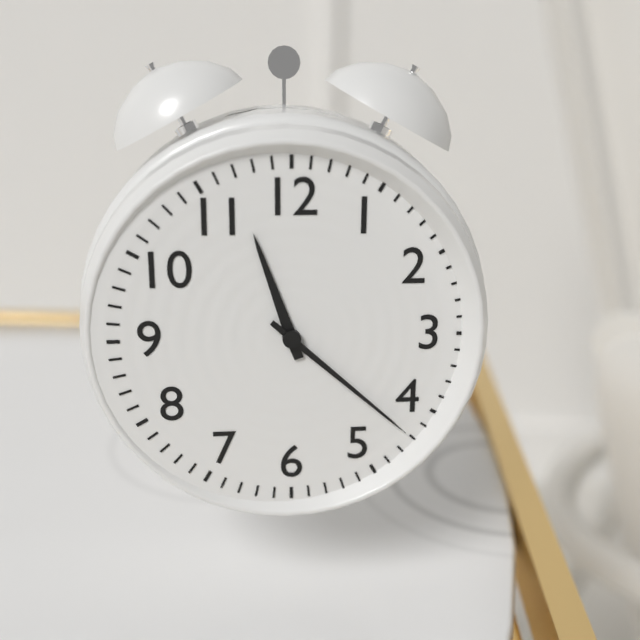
11.22
